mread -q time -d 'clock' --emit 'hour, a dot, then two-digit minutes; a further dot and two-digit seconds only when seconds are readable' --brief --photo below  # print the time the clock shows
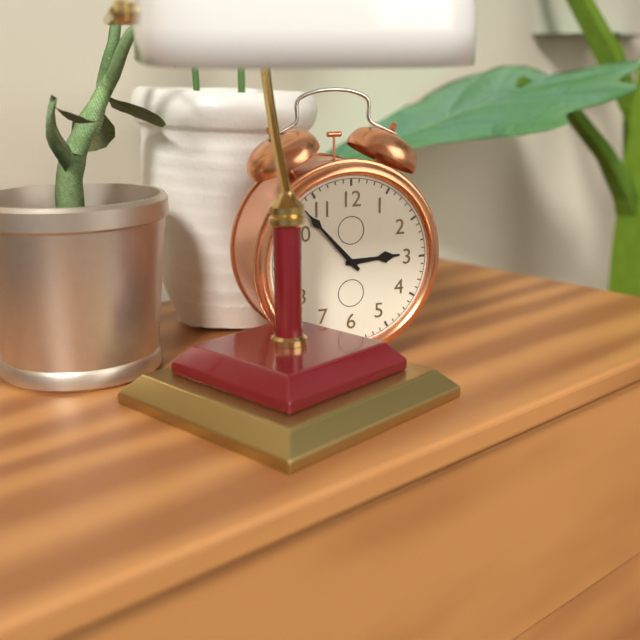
2.53
